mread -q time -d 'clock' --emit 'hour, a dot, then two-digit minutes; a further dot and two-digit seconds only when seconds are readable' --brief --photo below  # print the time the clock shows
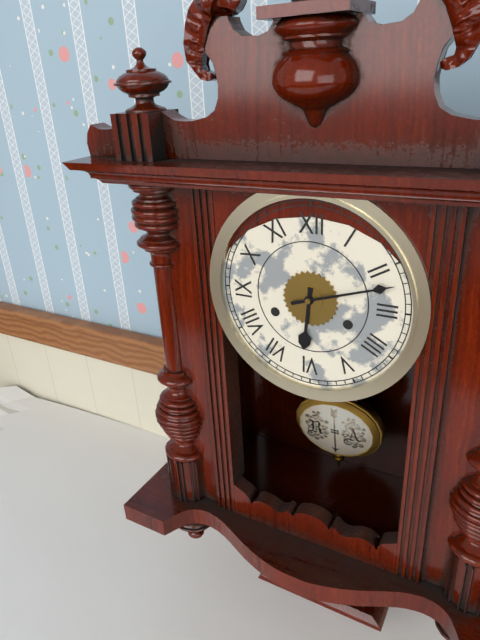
6.12
